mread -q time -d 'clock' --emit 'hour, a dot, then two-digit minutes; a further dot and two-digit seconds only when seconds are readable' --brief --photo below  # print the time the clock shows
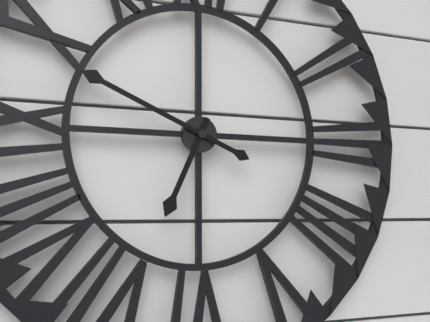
6.49
